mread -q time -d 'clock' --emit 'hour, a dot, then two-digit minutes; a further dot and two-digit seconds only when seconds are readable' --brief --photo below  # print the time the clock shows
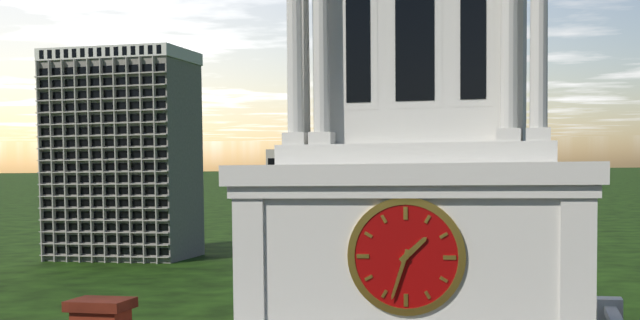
1.33
